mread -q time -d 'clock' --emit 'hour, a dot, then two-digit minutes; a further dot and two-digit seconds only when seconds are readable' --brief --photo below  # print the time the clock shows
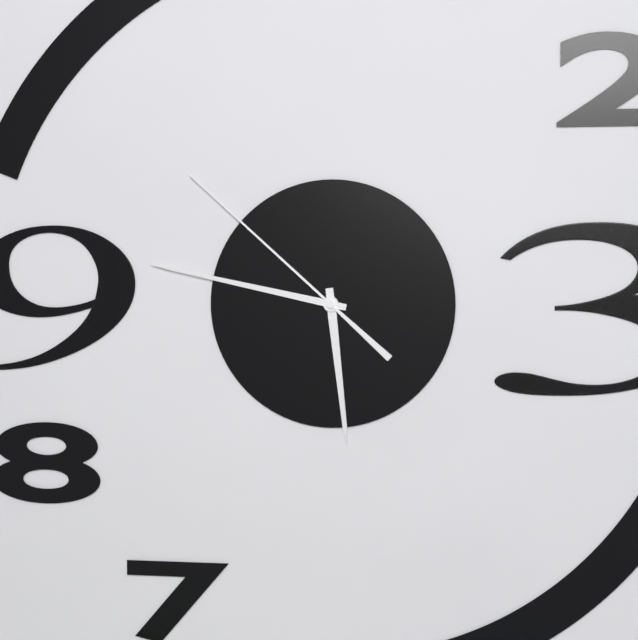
5.47.52
